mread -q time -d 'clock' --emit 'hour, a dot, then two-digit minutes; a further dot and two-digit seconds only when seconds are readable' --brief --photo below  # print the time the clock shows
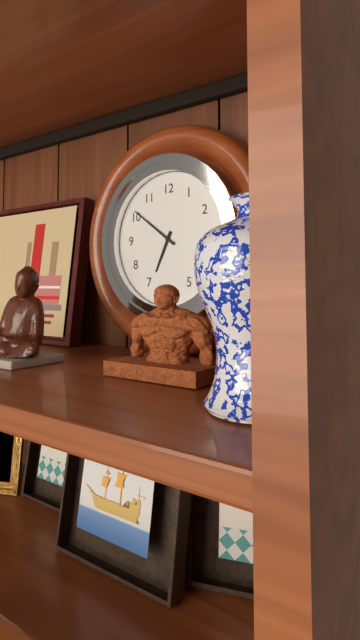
6.51
